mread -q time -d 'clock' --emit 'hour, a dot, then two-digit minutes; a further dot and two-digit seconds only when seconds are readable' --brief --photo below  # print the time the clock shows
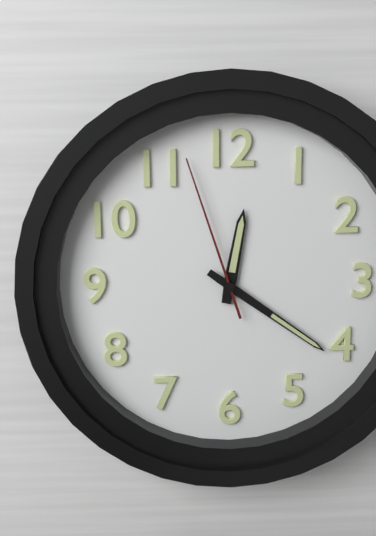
12.21.57
